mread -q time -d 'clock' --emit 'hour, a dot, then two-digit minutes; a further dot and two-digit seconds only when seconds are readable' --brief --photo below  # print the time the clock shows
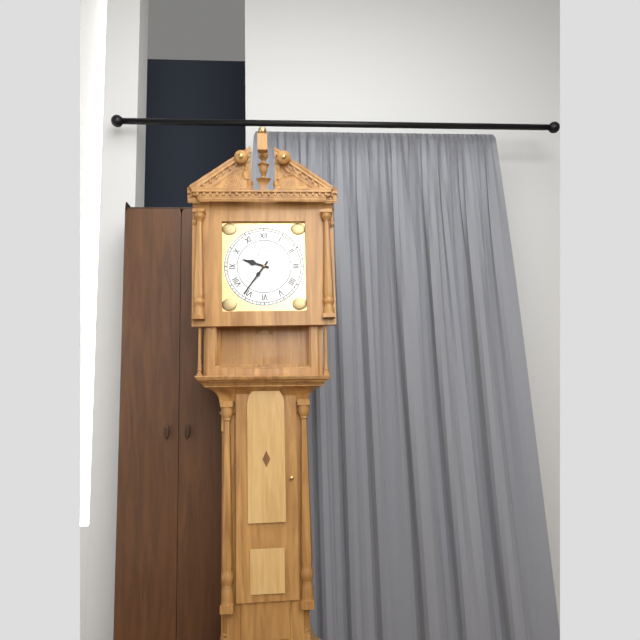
9.36
